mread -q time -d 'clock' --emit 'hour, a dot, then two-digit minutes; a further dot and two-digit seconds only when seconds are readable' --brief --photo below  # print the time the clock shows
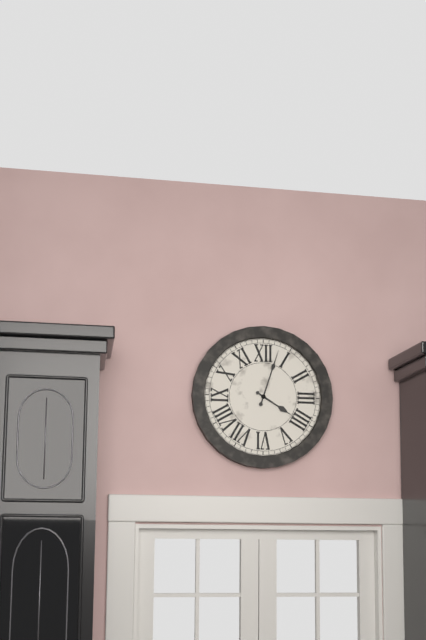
4.03
